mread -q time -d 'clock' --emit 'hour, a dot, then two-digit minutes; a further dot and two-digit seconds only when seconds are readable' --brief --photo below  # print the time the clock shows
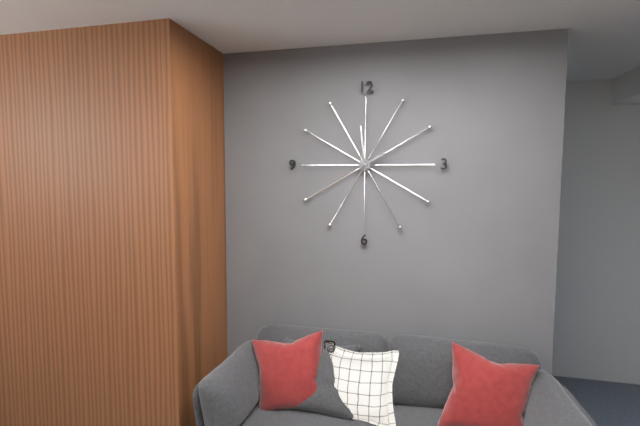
1.59
